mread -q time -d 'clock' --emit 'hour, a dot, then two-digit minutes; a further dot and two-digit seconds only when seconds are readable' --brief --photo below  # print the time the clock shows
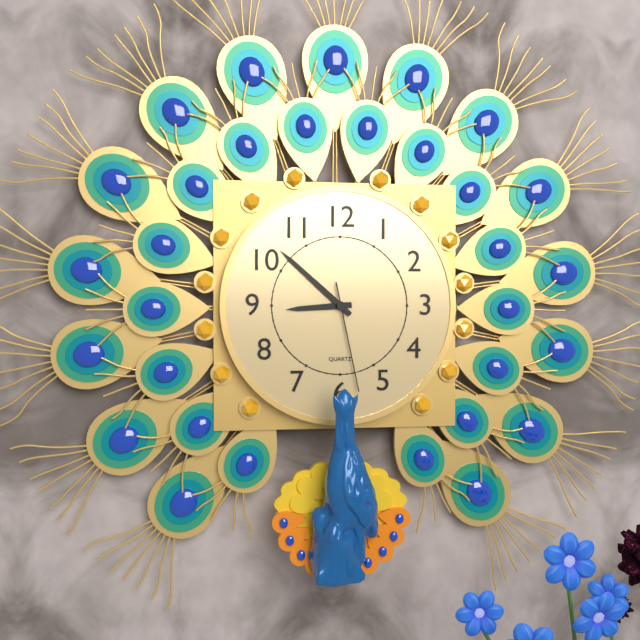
8.52.28
